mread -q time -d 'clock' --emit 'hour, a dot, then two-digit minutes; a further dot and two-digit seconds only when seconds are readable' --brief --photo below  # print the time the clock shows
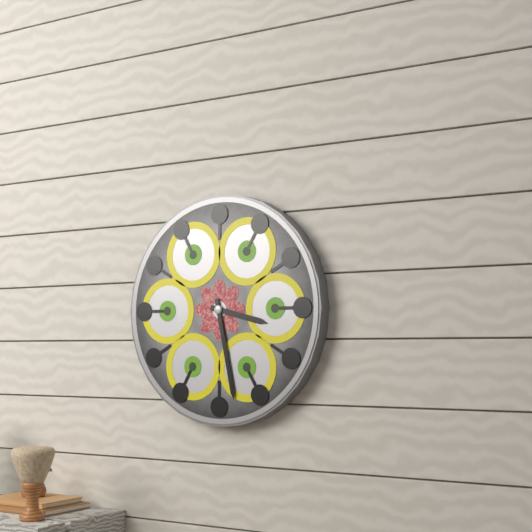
3.28
